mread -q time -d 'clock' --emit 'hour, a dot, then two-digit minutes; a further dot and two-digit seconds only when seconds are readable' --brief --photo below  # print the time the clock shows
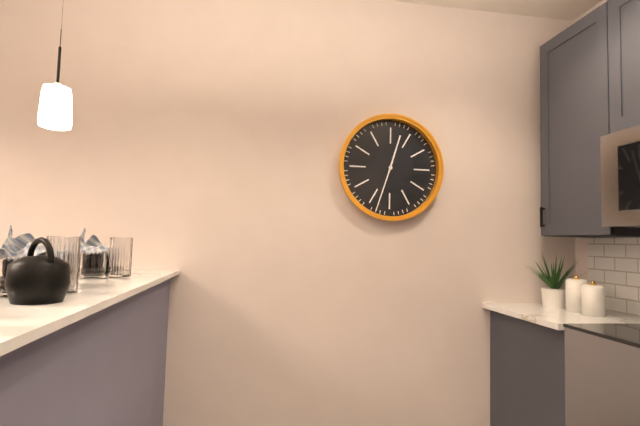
12.33
